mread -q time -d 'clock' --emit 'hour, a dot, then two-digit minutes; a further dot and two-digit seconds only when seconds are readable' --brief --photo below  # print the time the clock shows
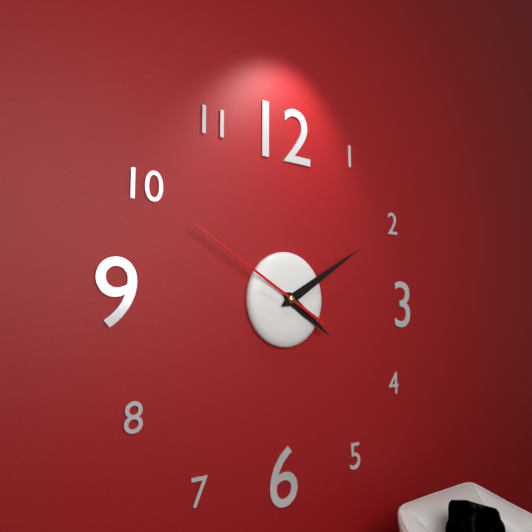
4.10.50
